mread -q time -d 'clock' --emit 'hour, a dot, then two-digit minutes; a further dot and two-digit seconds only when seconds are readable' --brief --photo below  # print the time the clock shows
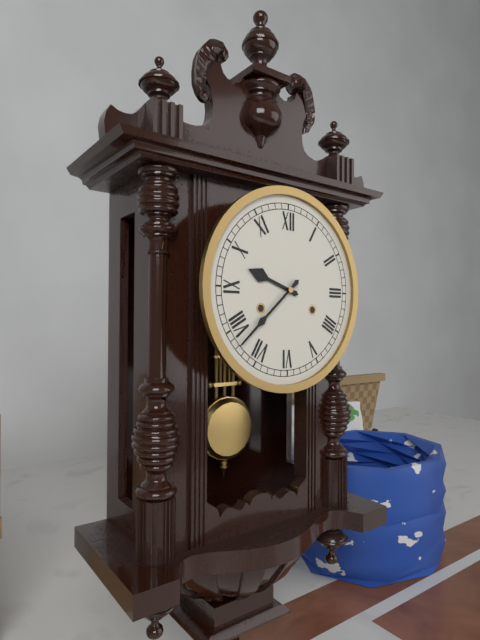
9.38
